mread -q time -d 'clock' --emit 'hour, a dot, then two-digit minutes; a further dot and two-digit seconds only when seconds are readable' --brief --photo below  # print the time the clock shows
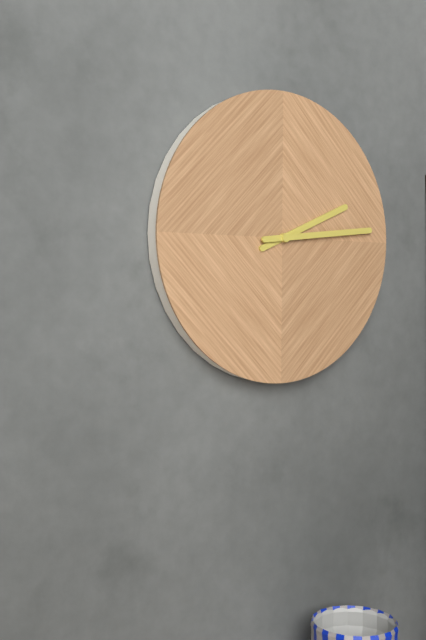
2.14
